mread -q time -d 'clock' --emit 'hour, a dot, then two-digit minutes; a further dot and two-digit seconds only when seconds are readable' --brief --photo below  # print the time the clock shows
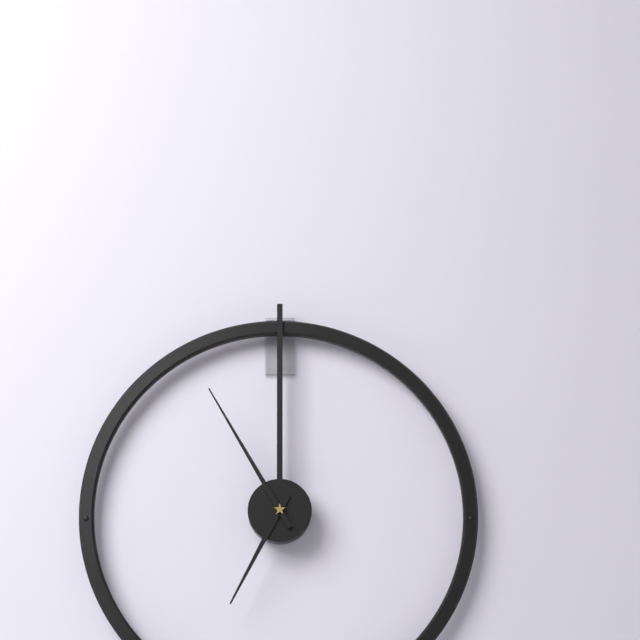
6.55
